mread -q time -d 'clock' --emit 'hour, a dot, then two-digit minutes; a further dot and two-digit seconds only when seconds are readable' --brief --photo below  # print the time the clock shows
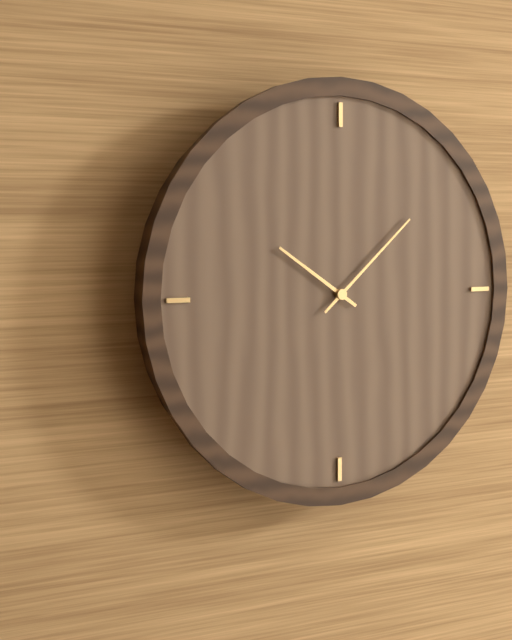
10.08
